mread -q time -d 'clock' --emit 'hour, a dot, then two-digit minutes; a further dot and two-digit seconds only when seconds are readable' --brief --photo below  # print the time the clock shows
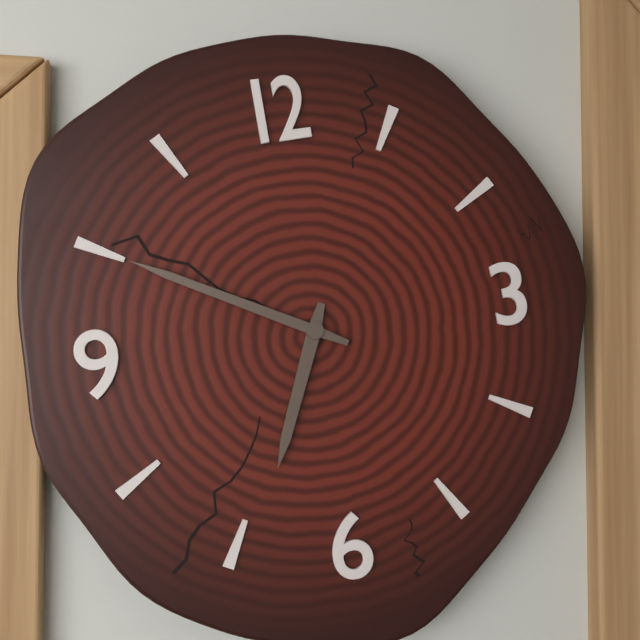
6.50
